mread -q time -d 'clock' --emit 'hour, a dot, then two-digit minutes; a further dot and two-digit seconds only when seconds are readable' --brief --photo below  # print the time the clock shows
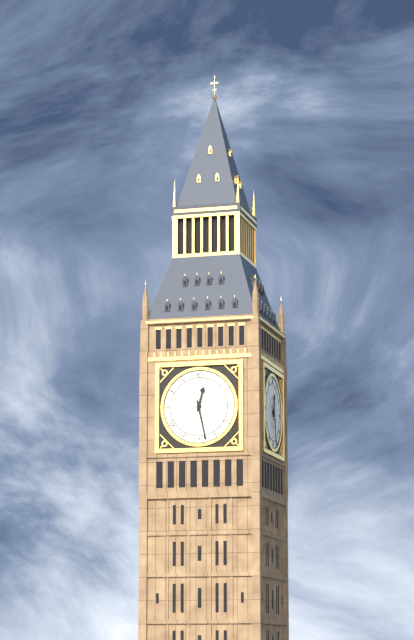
12.28
